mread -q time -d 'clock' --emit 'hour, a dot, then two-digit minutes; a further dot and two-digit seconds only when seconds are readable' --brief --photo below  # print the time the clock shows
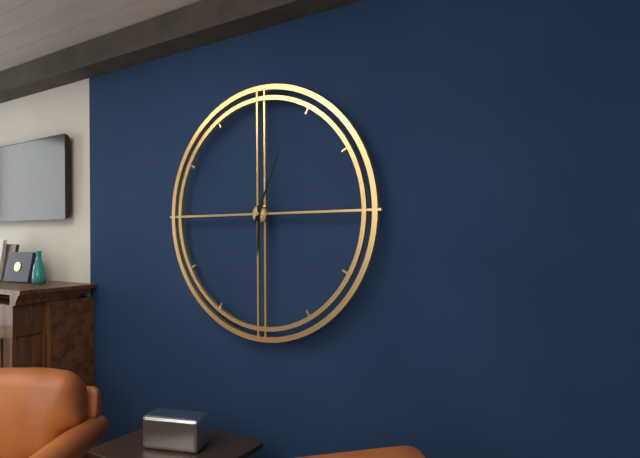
6.04
